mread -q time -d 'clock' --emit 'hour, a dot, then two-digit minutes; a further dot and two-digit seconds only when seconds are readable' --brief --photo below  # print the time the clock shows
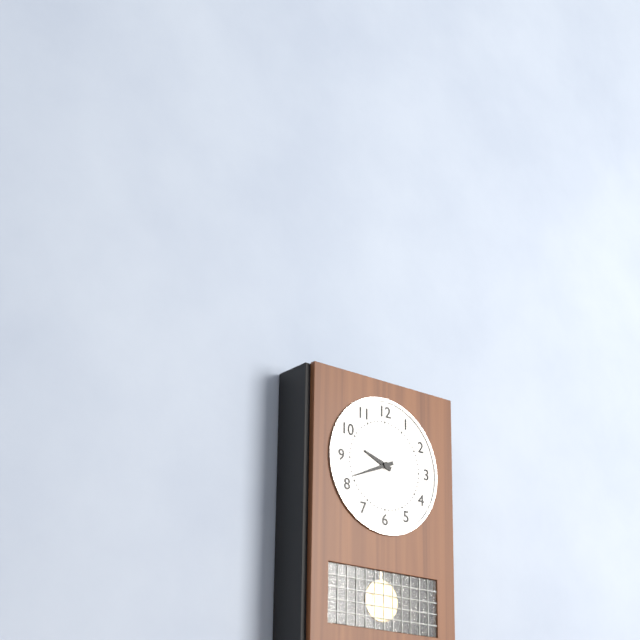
9.41
